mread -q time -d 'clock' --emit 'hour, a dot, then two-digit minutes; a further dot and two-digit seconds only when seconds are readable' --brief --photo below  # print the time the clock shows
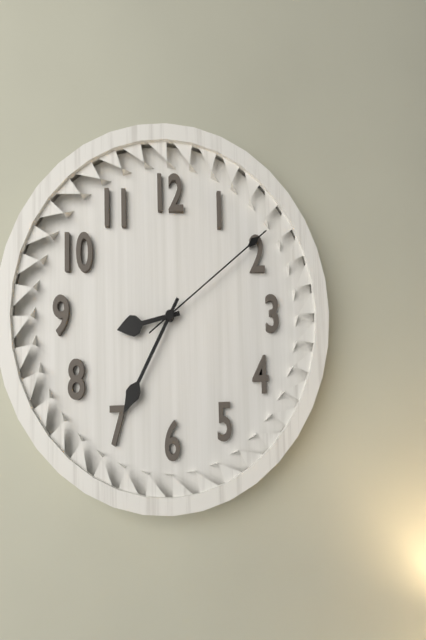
8.35.09
